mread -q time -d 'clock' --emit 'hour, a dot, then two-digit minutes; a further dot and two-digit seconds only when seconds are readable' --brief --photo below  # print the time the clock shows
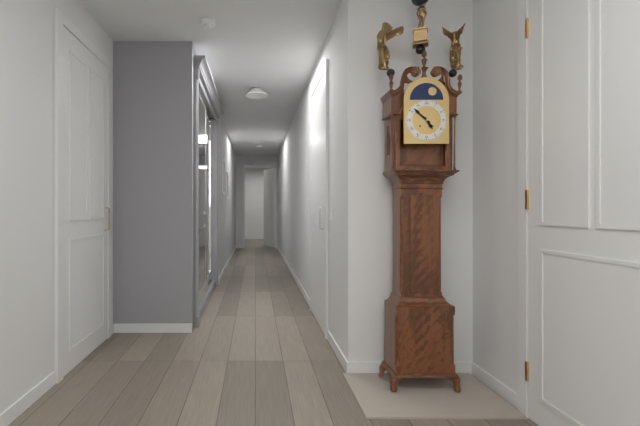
4.52
